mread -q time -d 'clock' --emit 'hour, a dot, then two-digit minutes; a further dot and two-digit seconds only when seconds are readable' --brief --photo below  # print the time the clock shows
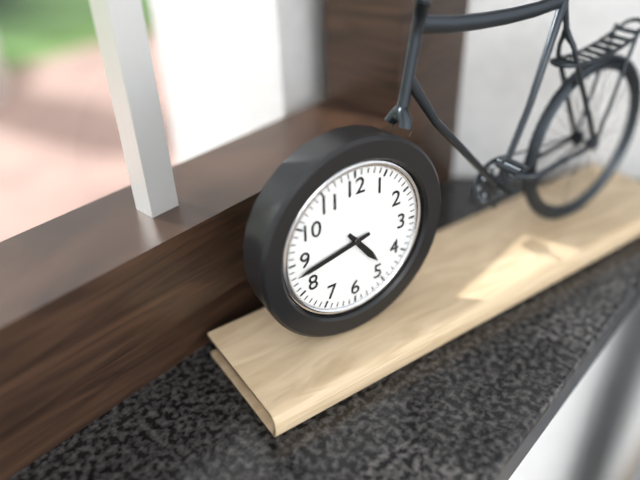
4.43
